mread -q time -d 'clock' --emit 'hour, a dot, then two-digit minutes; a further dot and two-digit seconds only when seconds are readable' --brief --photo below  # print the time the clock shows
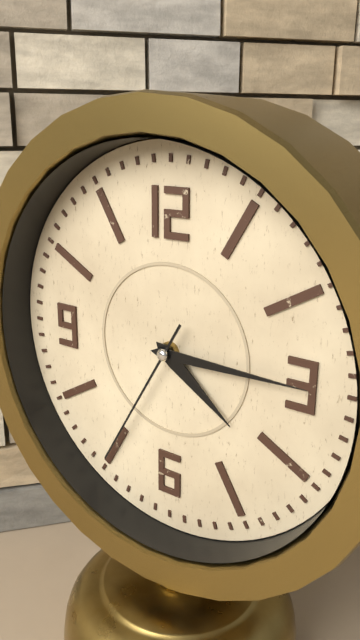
4.15.35
